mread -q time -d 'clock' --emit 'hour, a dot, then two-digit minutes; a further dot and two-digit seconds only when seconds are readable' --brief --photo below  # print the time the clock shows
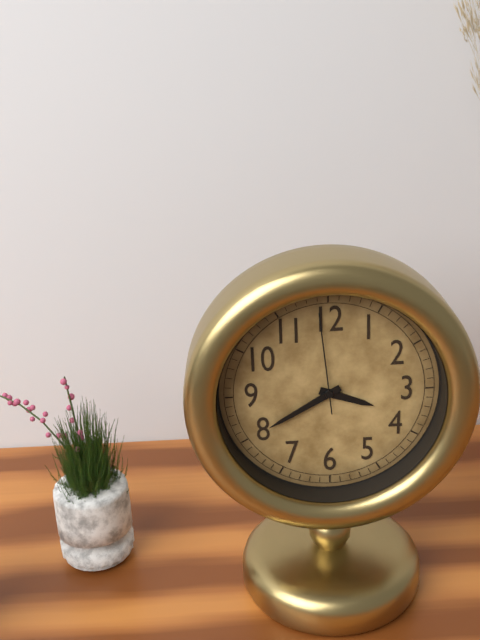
3.40.59
